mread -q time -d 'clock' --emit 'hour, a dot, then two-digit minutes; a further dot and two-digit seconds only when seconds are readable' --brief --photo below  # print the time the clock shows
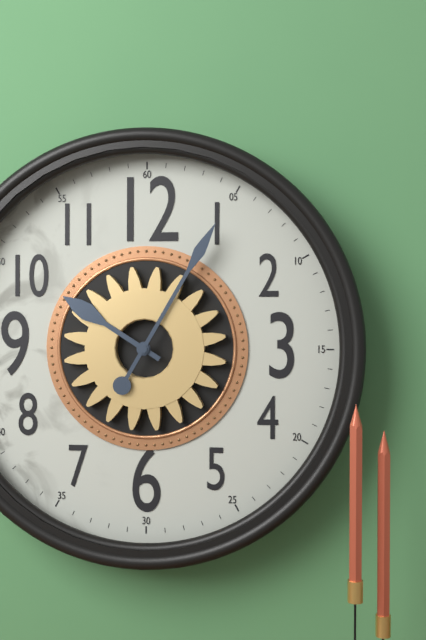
10.05
